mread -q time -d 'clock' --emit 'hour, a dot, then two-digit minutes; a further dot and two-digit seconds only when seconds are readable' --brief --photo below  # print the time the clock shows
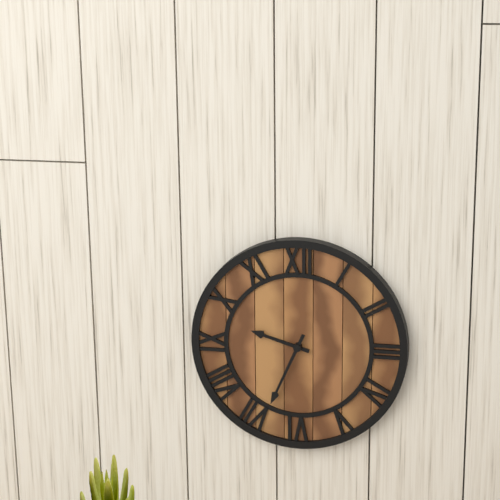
9.34
